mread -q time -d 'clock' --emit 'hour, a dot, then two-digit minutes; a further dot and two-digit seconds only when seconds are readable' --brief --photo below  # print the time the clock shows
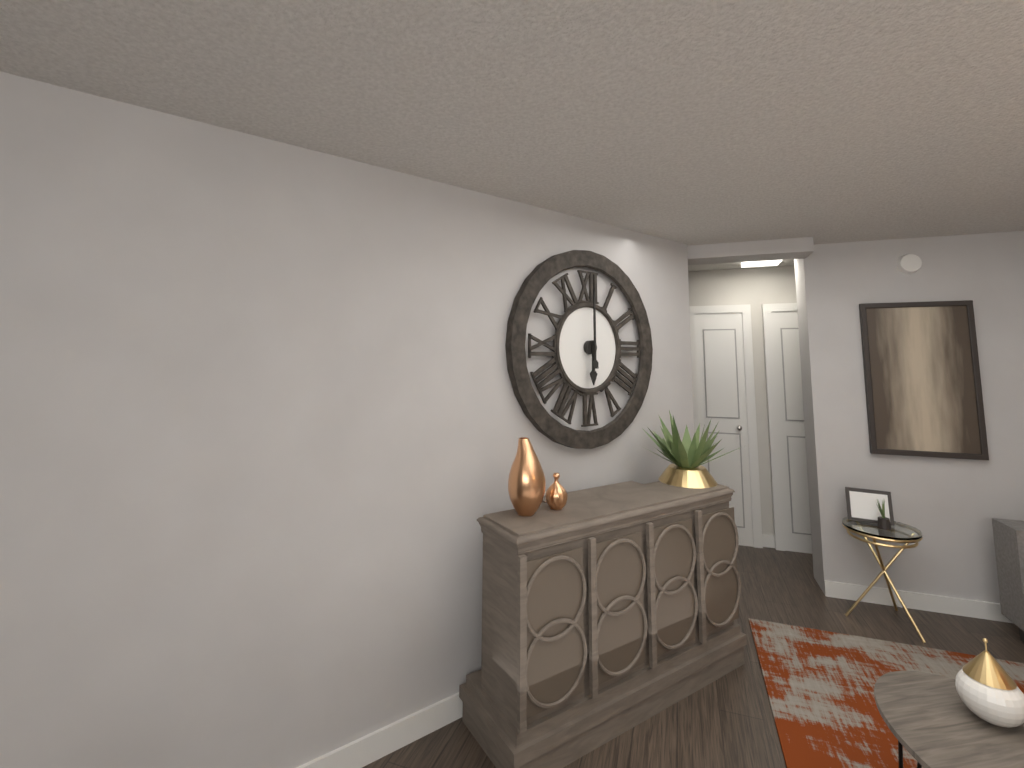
6.00
